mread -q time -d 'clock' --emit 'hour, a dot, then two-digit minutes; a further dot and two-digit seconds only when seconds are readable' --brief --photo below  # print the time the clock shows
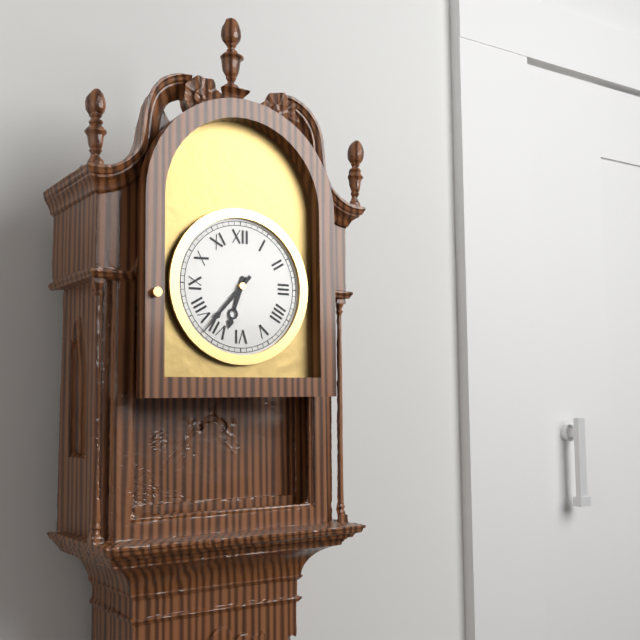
6.37
